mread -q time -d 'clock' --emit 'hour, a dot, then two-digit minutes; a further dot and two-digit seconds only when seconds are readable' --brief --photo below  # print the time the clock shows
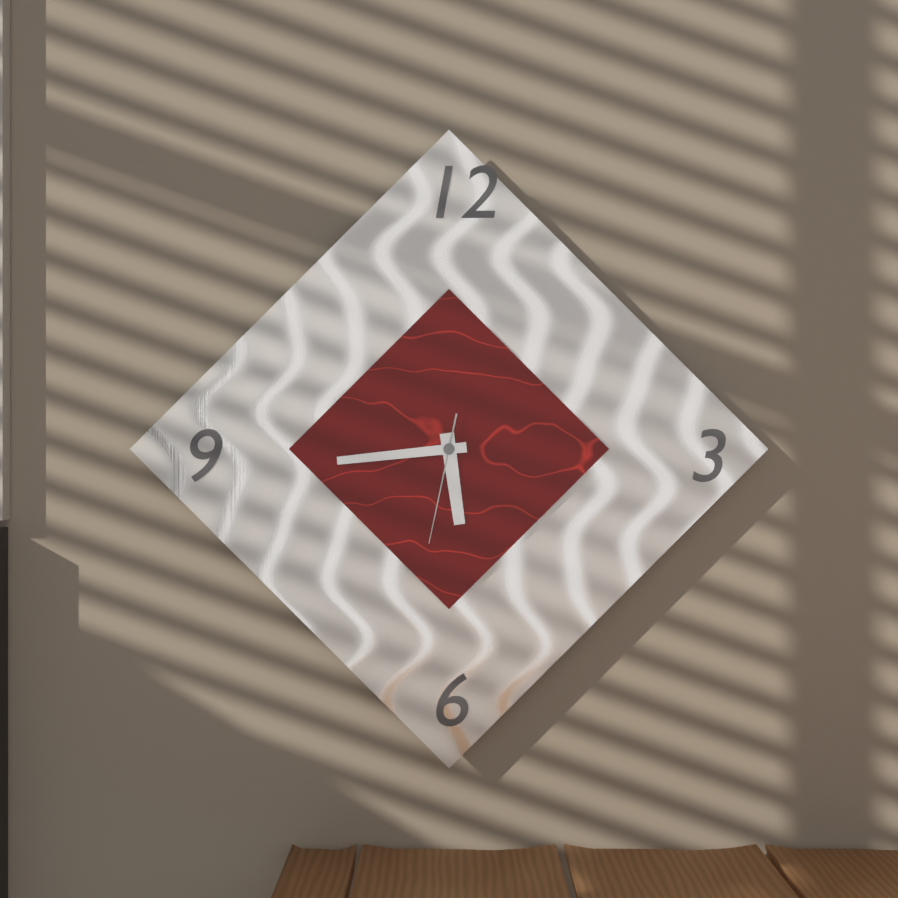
5.44.32
